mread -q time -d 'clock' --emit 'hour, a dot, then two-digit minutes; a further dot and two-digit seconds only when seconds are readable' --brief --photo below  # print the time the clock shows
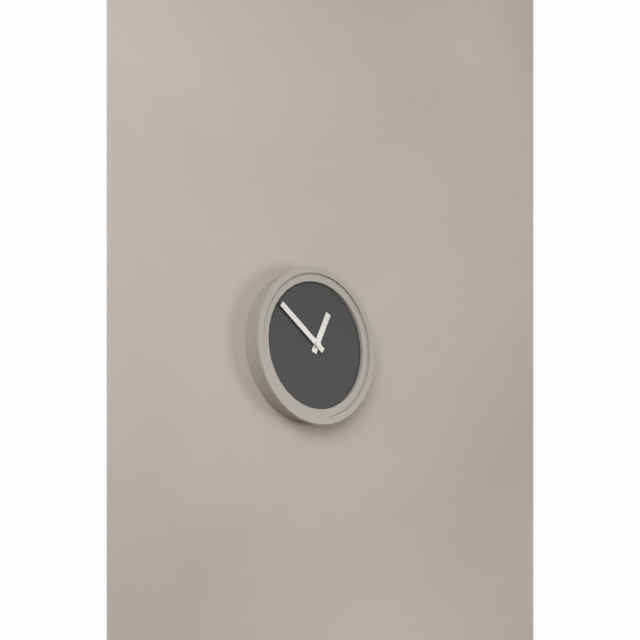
12.51
